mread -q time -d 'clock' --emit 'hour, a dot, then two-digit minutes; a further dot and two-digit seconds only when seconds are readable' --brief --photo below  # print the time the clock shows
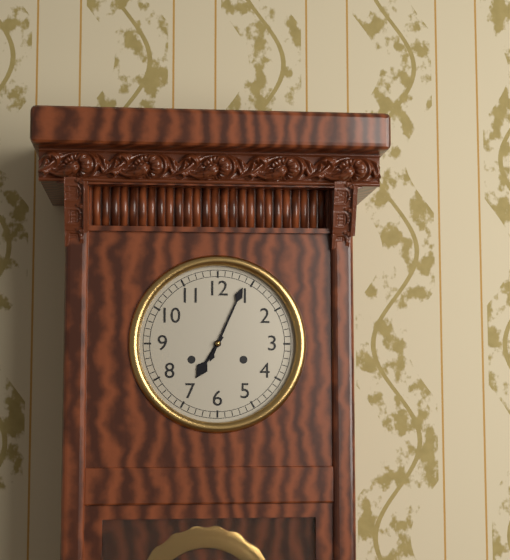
7.04
